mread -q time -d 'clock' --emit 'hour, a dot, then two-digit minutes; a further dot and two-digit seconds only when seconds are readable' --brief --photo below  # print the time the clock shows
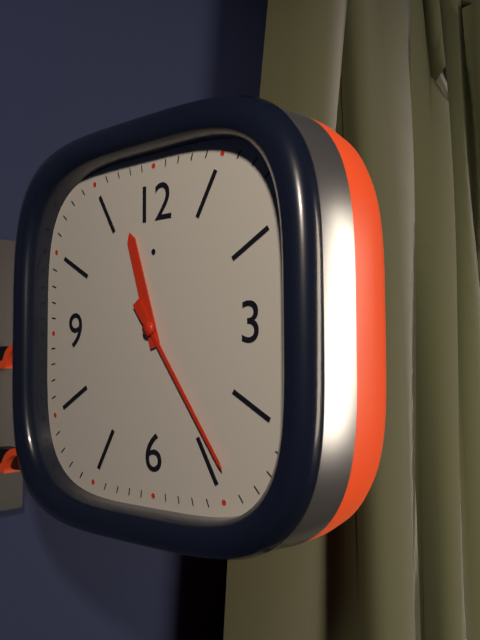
11.24
